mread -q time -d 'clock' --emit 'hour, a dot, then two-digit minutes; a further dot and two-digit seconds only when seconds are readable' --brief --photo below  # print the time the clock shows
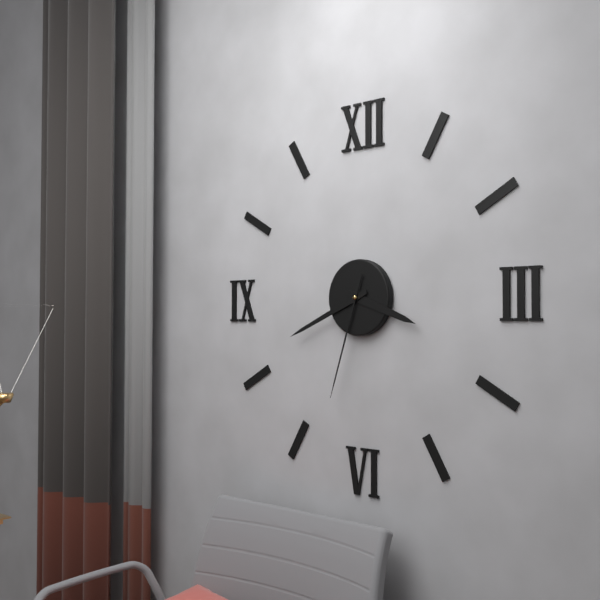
3.41.33
